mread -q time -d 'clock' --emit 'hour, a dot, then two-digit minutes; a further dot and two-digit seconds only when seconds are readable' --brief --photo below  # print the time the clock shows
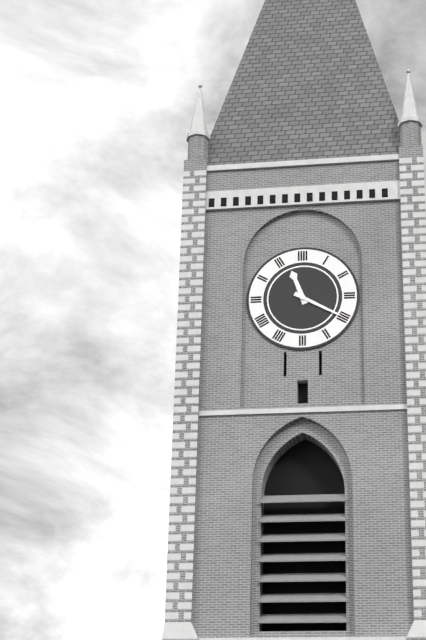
11.20
